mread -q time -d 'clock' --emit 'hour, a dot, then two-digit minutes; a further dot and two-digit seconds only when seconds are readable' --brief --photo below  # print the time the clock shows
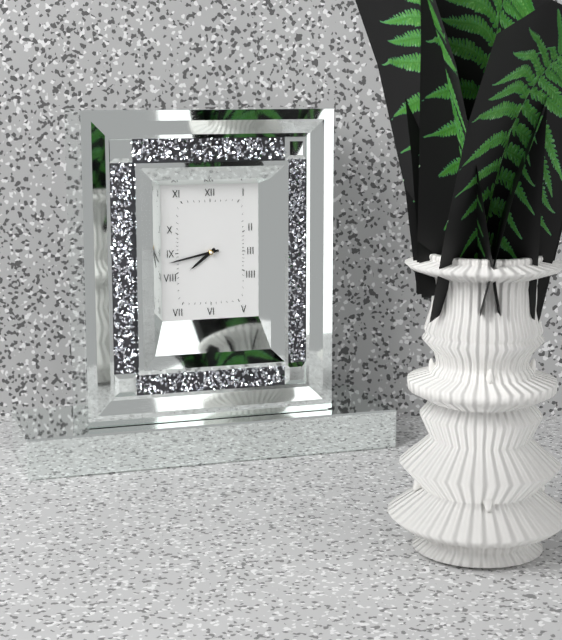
7.43
